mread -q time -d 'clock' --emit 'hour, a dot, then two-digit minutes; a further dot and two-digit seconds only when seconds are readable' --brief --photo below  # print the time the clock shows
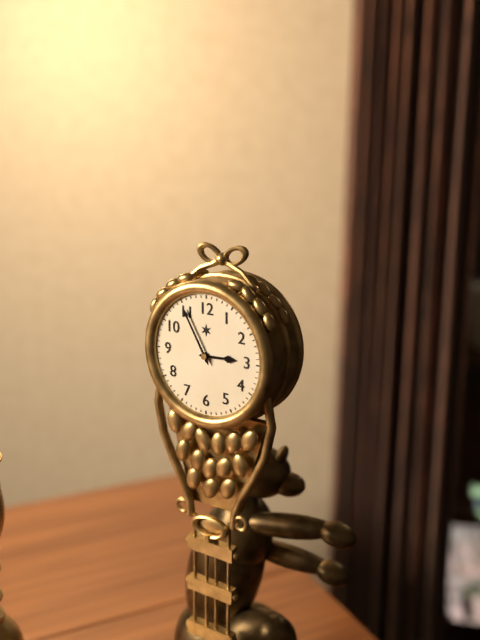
2.55
